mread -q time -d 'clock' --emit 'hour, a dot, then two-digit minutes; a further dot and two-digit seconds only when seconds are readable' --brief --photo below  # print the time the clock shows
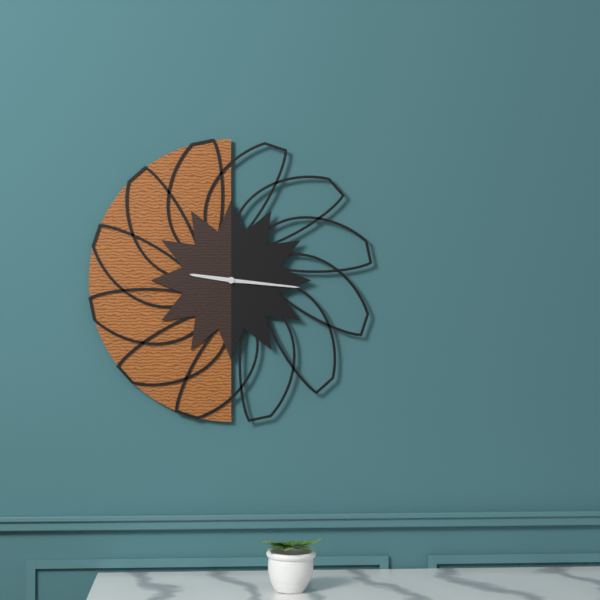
9.16
